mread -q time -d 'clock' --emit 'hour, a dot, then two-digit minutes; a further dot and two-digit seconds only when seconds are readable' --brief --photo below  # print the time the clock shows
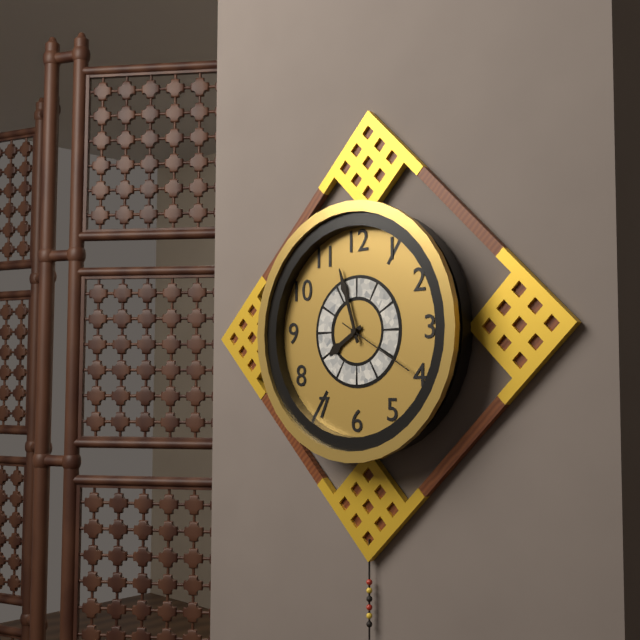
7.57.20
